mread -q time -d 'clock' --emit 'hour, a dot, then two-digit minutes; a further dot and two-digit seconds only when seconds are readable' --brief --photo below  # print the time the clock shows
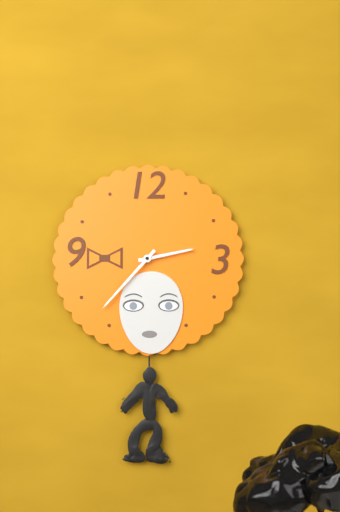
2.37
